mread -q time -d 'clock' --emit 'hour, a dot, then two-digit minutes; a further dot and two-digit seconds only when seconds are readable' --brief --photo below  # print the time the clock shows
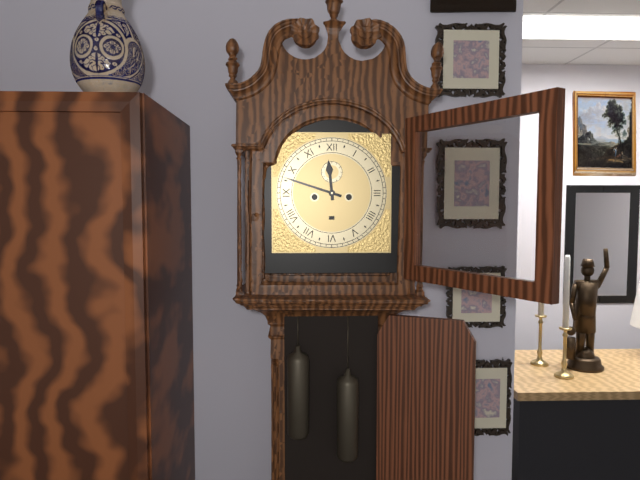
11.48
